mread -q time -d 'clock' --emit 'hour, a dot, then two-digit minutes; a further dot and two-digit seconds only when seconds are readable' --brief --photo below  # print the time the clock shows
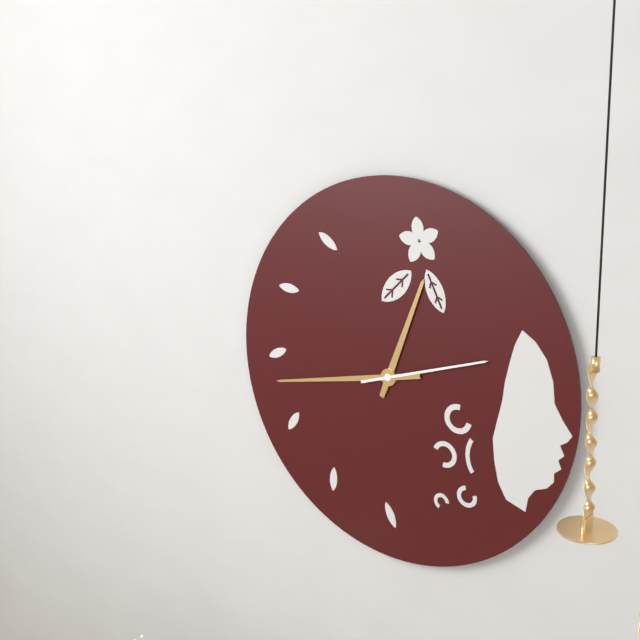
12.43.12
